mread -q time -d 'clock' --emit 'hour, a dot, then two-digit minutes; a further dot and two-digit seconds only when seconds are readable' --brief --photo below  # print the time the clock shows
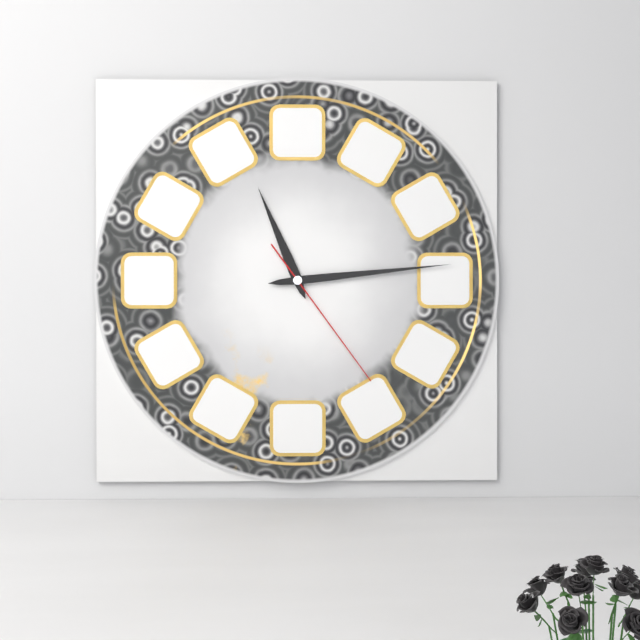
11.14.24
